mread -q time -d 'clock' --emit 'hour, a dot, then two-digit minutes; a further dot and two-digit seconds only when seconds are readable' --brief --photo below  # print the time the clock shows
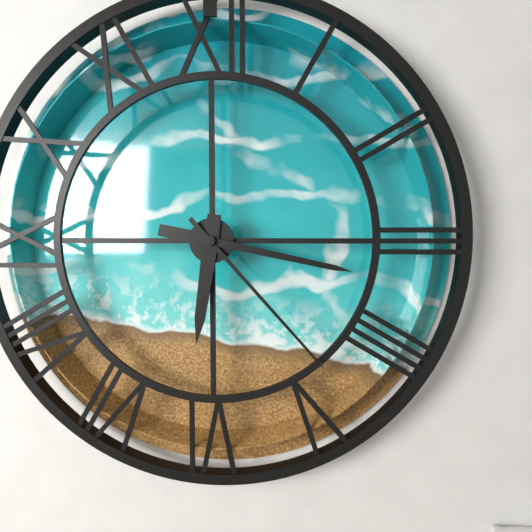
6.17.23
